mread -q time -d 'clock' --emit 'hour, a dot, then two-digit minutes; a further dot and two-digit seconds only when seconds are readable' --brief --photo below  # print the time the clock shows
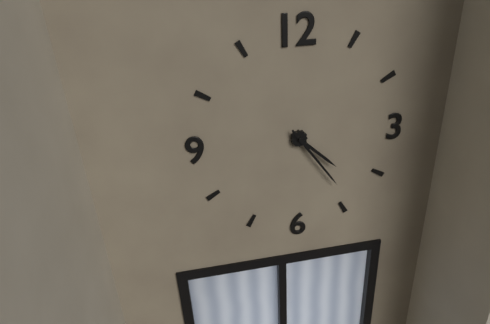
4.24
